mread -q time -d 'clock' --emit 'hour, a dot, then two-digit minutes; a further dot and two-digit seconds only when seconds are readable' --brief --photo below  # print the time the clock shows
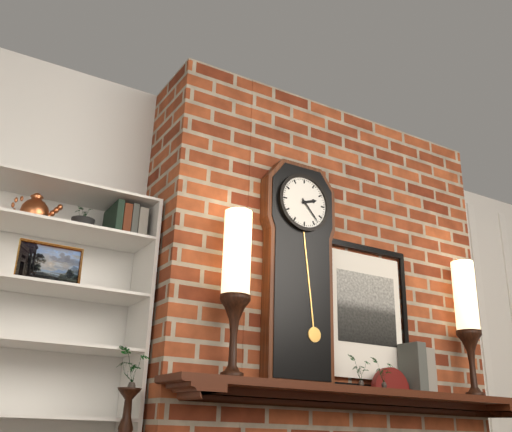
2.23
